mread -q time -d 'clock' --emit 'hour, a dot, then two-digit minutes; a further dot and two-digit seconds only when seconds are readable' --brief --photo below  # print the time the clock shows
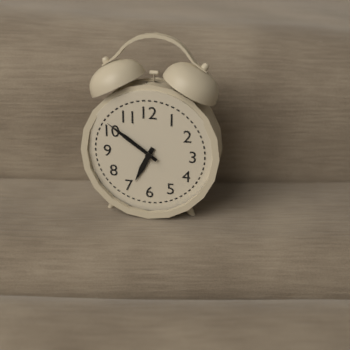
6.51
